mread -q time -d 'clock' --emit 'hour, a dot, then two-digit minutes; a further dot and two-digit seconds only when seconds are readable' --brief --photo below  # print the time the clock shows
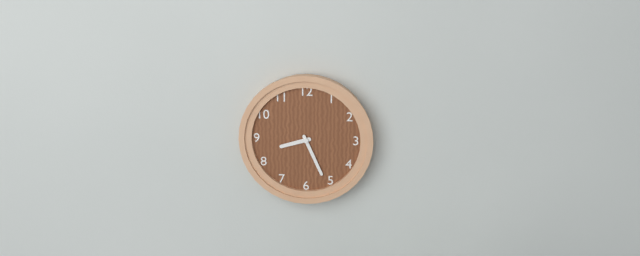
8.26
